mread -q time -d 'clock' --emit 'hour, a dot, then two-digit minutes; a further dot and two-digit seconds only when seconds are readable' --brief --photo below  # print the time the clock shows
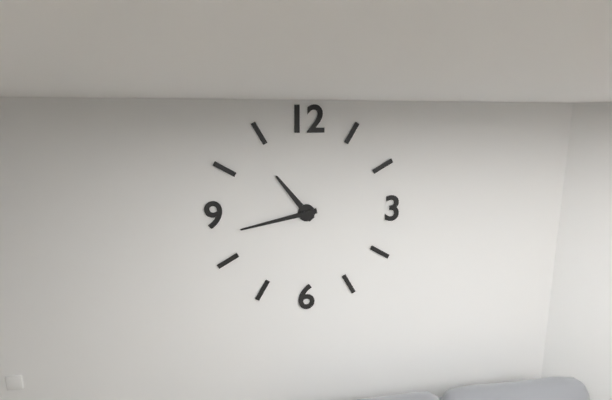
10.43
